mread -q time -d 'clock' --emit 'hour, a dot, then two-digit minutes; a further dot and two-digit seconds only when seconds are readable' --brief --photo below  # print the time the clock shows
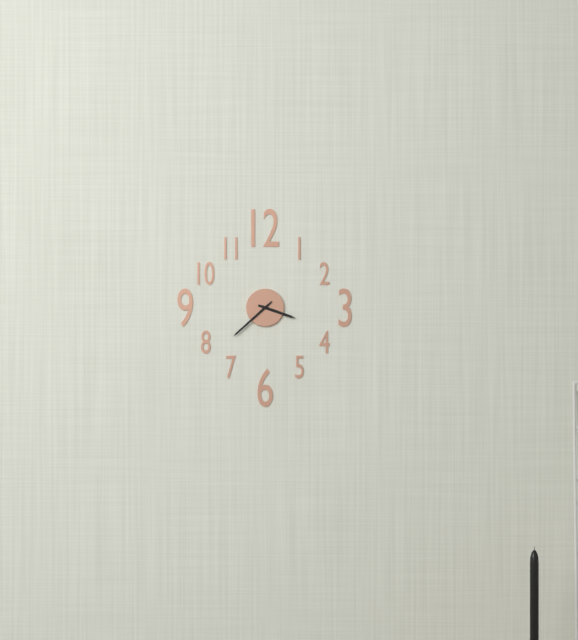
3.38
